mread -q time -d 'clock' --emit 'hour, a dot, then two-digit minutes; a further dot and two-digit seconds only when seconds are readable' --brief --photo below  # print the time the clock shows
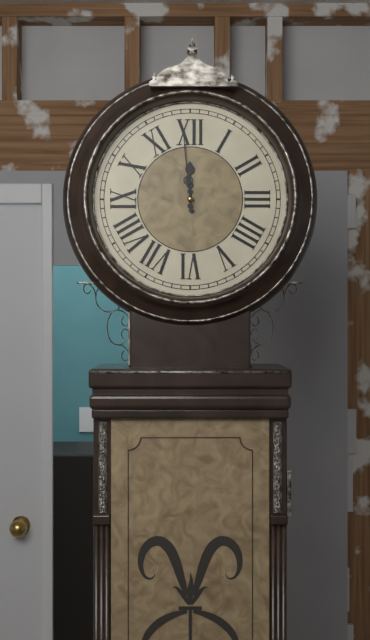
11.59
